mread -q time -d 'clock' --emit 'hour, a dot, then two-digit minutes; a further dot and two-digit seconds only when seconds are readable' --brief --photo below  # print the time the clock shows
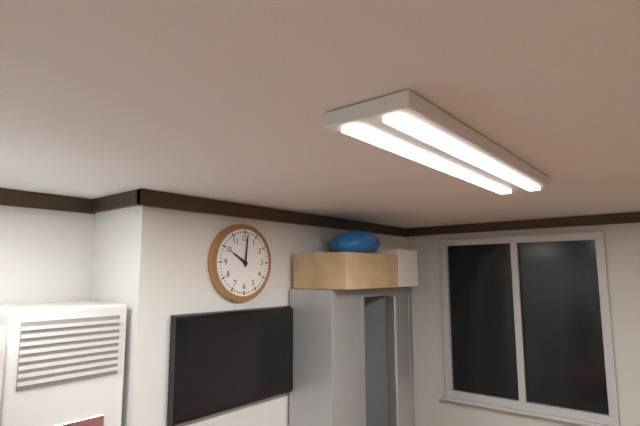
10.01
